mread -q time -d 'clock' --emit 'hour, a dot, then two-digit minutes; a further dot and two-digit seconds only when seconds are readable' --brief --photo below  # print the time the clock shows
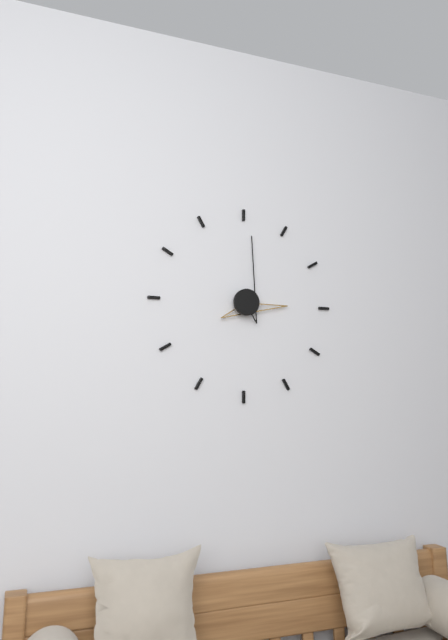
3.01
